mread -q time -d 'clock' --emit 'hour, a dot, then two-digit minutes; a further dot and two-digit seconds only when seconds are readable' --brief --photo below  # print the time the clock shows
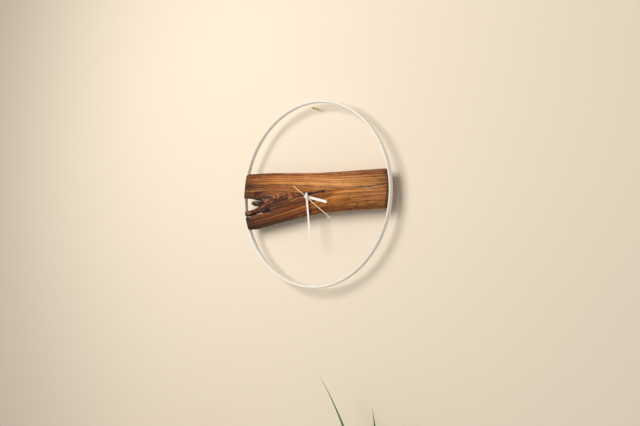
3.29
